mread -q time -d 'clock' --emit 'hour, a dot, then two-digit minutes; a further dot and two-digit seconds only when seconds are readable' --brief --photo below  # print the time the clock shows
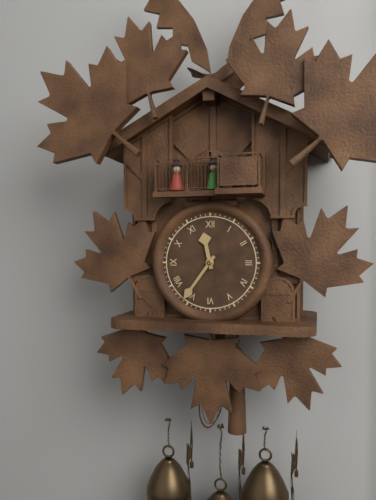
11.36
